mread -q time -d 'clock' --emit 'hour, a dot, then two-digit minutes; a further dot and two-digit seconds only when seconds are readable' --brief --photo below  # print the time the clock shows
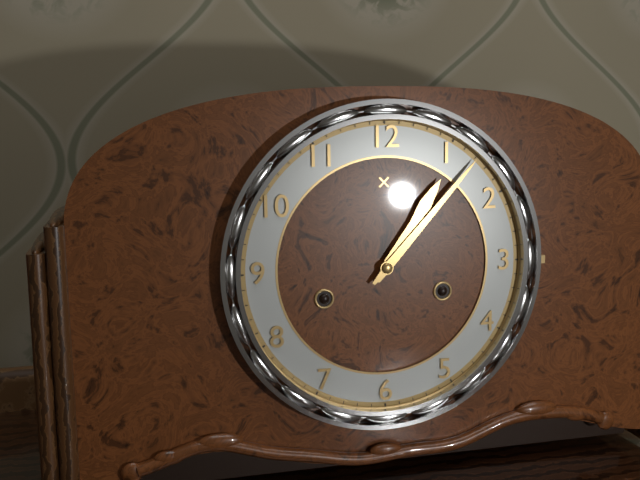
1.07
